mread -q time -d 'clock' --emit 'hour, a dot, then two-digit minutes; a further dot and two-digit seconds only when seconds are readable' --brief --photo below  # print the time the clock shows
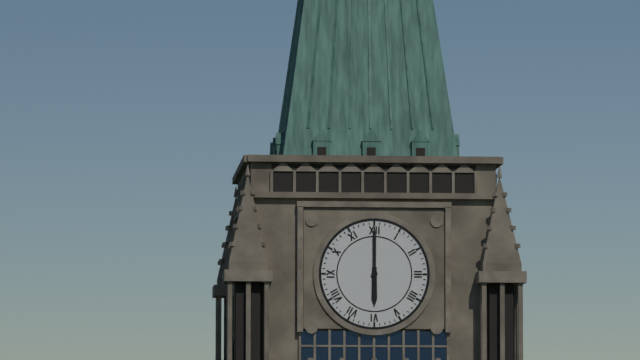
6.00
